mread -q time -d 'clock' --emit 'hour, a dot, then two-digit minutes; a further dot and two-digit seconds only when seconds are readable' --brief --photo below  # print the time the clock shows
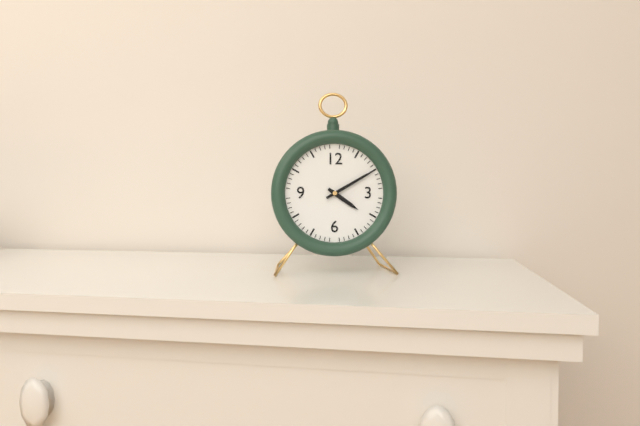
4.10
